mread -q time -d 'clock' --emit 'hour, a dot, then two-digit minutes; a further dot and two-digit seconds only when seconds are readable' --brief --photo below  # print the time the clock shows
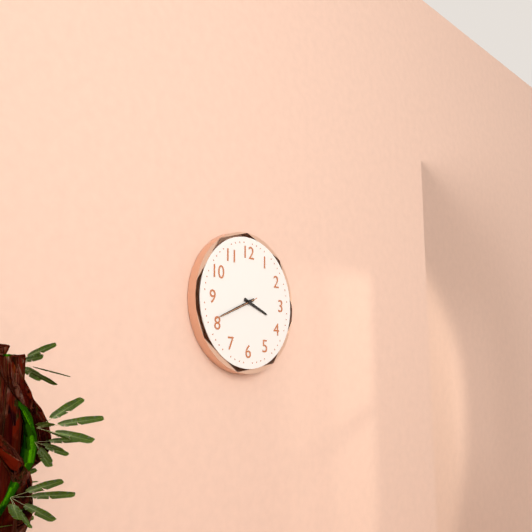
3.41
